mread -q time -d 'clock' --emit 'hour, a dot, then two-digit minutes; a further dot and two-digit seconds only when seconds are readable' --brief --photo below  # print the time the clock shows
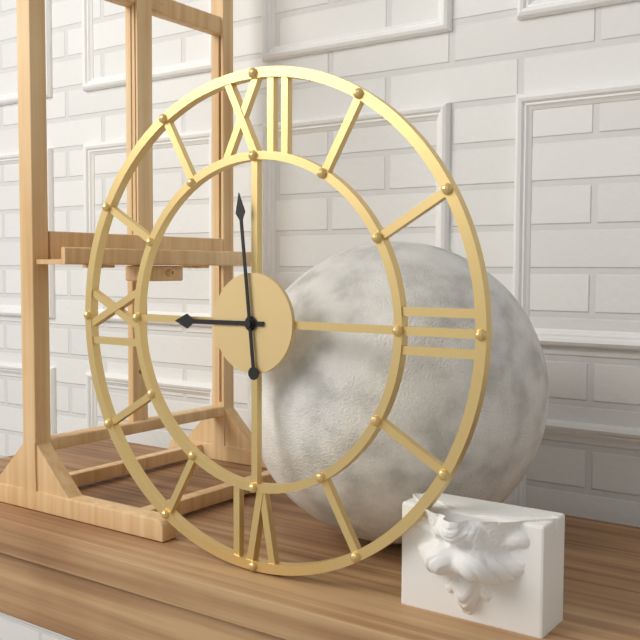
8.59
